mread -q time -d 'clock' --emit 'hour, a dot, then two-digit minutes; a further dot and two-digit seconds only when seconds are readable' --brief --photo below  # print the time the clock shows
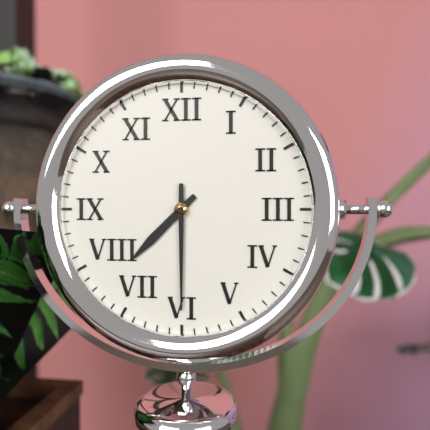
7.30
